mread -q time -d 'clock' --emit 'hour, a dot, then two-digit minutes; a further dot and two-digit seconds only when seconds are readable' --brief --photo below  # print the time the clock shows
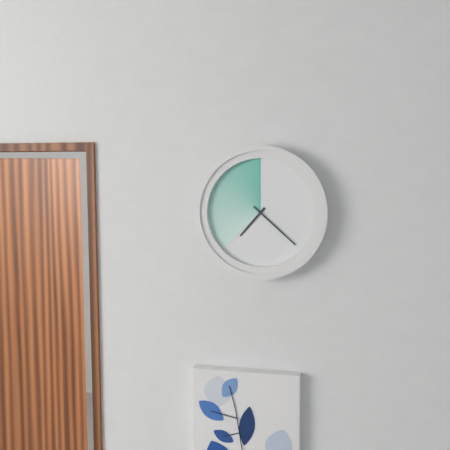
7.22
